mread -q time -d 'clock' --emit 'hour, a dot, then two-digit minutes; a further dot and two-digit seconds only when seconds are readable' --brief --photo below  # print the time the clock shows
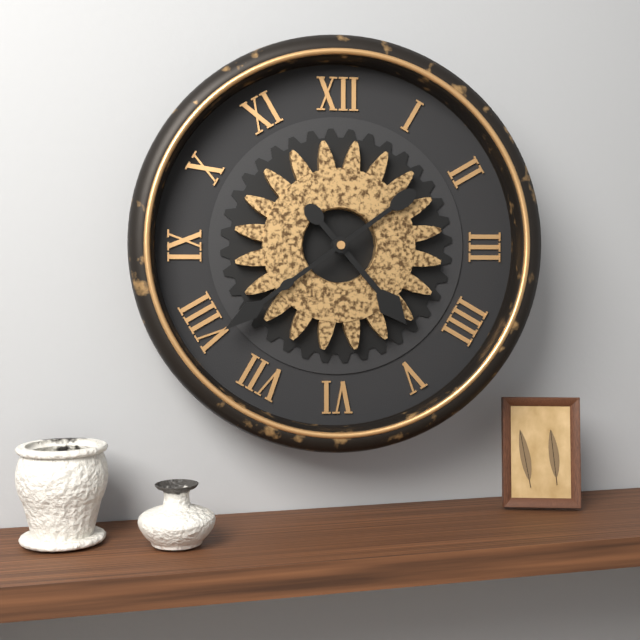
4.39
